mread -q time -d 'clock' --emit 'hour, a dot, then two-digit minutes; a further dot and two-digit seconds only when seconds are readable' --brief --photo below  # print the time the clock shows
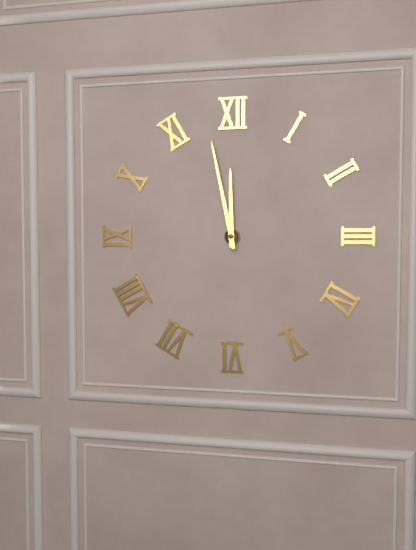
11.58
